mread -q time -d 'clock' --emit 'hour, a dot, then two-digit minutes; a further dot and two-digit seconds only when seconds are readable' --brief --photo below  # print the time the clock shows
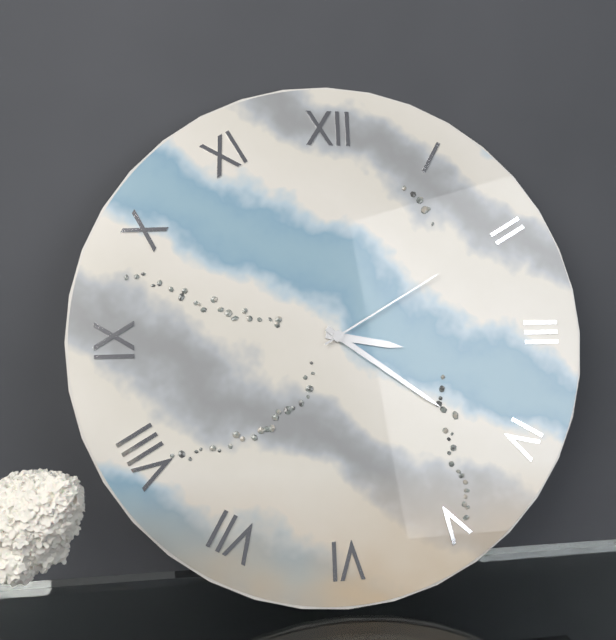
3.21.10
